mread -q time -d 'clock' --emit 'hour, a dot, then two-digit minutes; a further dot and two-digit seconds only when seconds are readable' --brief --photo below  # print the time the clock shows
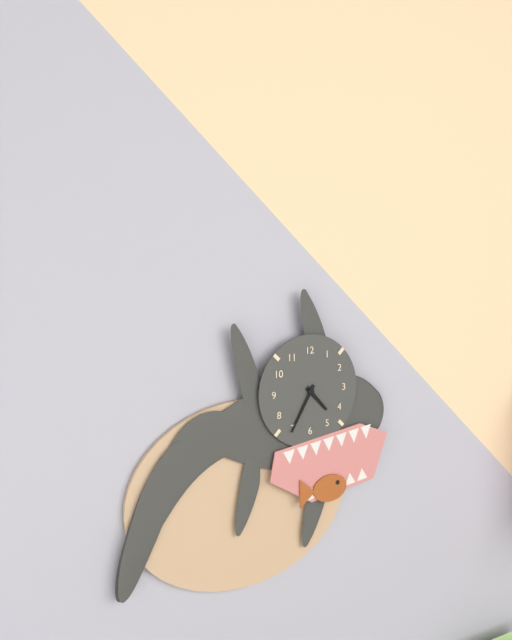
4.35
